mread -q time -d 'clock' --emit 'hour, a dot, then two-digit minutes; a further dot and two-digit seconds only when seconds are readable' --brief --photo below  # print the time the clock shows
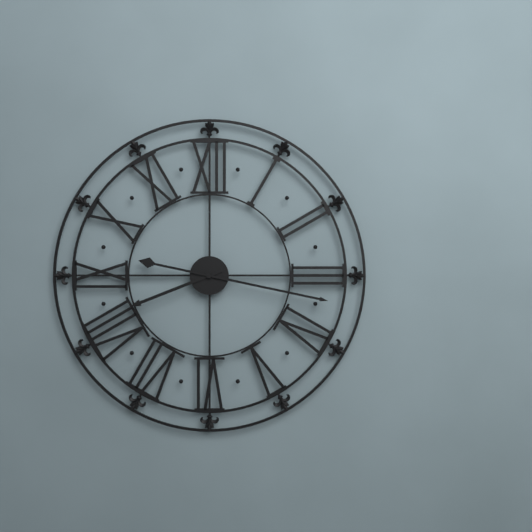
8.17
